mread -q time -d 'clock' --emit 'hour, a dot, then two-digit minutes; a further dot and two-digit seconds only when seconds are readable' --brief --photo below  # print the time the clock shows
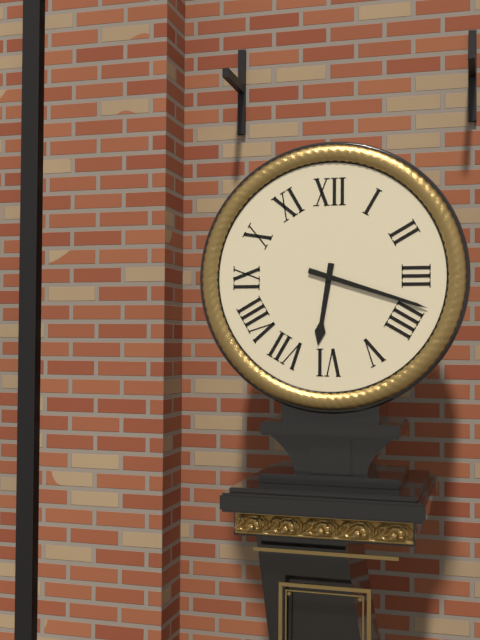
6.18
